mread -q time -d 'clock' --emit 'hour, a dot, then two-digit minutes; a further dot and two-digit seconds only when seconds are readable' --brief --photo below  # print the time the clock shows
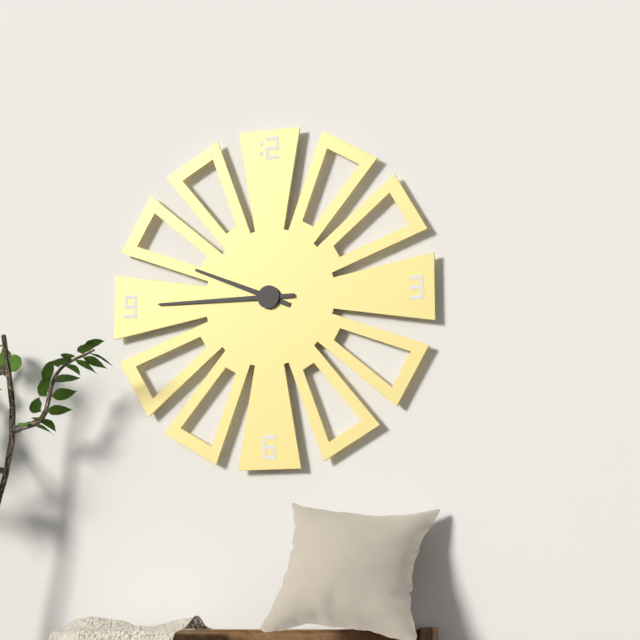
9.45
